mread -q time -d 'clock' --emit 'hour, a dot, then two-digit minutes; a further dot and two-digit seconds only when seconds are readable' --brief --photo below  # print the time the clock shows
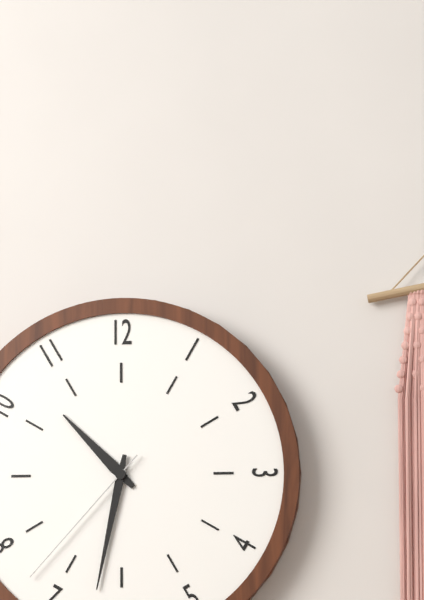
10.32.37
